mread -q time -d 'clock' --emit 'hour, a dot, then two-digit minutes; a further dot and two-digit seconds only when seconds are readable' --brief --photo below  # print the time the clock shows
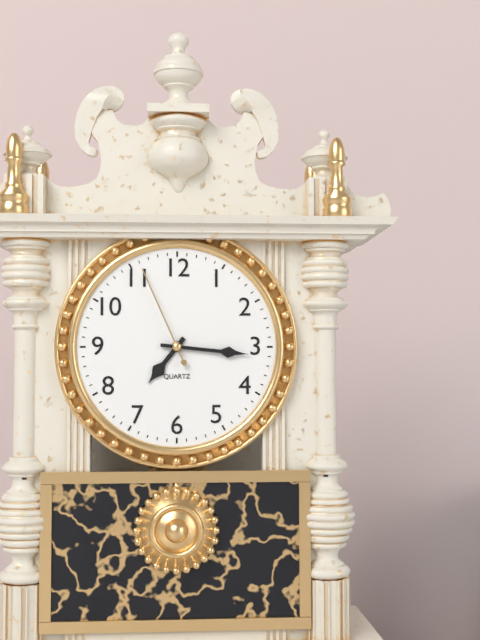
7.16.56
